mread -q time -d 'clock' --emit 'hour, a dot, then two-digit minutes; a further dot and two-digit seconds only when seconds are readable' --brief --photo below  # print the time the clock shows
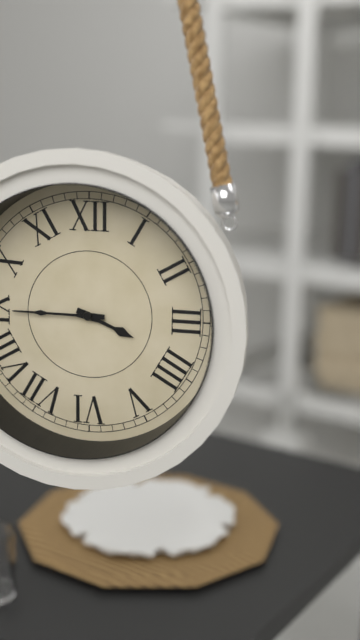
3.45
